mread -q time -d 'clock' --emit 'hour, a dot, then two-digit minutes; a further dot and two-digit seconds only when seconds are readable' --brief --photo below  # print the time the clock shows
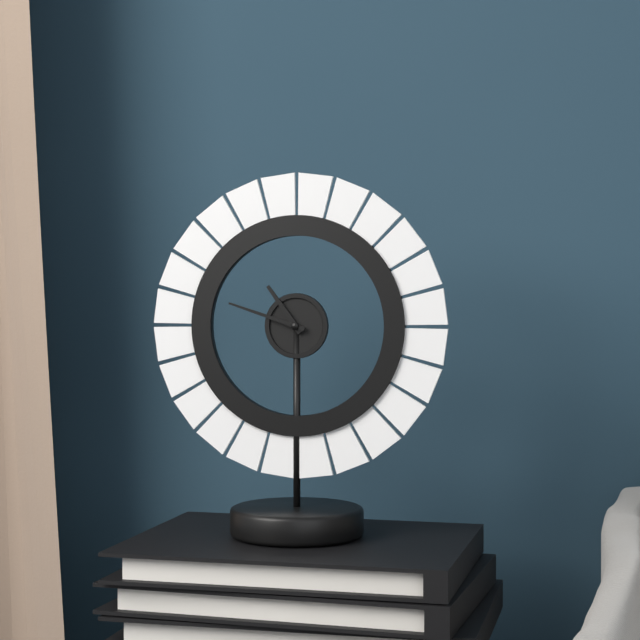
10.48
